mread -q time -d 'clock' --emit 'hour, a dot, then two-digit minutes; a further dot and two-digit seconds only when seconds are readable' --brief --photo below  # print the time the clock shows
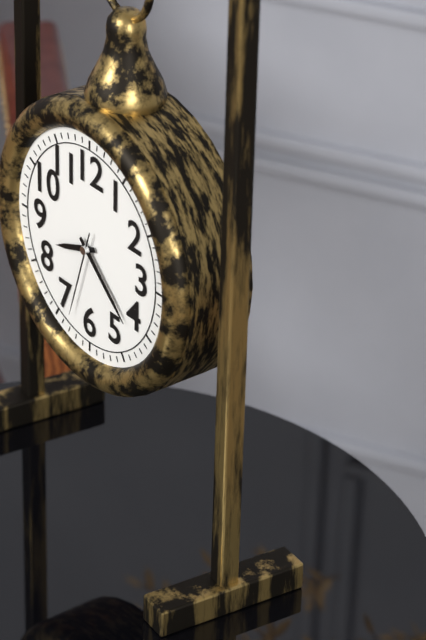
8.22.33
